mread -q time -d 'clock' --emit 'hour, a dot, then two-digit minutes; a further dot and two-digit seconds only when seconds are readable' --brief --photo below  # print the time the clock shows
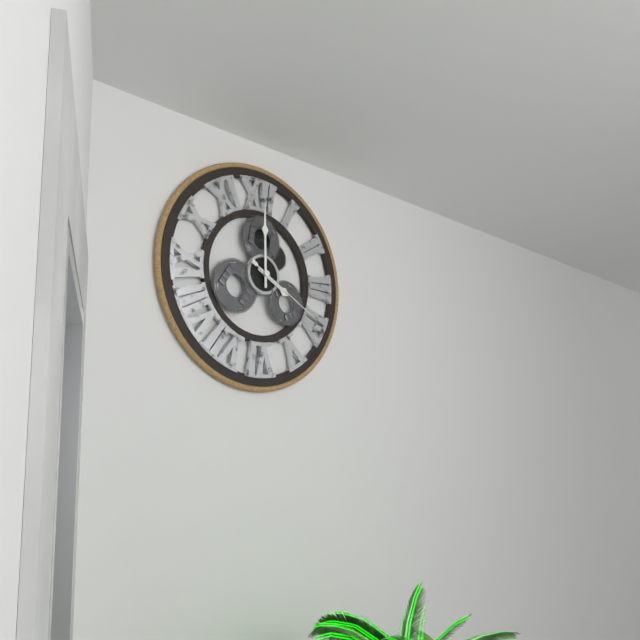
4.00.20
